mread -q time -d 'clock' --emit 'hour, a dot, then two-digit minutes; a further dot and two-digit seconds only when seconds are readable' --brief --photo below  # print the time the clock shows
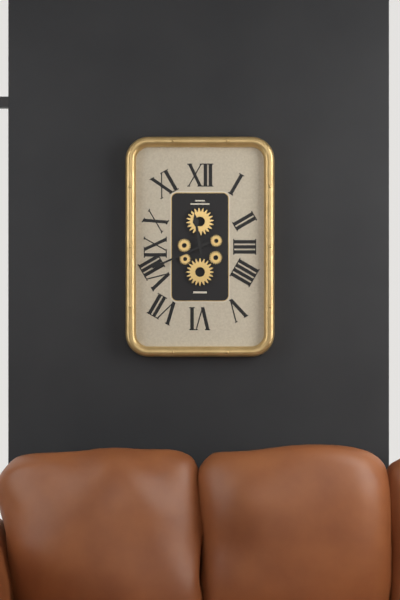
11.41
